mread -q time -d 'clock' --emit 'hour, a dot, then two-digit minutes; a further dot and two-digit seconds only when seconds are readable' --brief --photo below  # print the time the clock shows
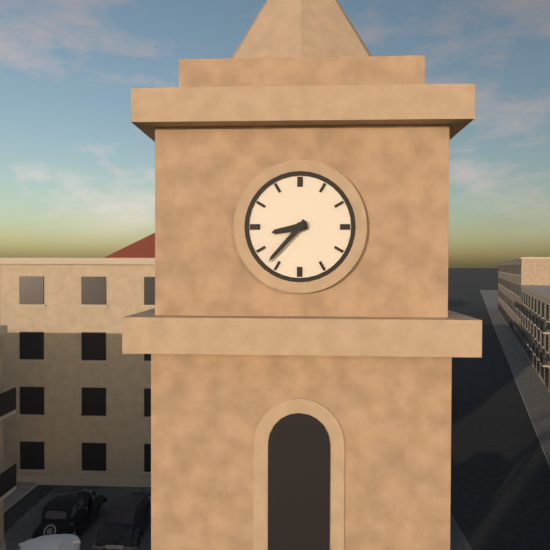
8.37
